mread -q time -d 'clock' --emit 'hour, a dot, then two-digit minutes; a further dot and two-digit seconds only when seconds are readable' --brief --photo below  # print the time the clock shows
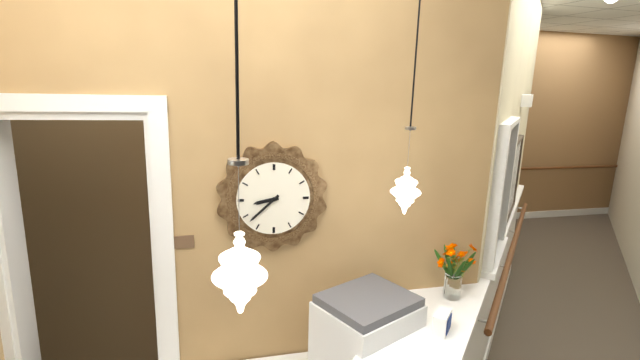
8.38
